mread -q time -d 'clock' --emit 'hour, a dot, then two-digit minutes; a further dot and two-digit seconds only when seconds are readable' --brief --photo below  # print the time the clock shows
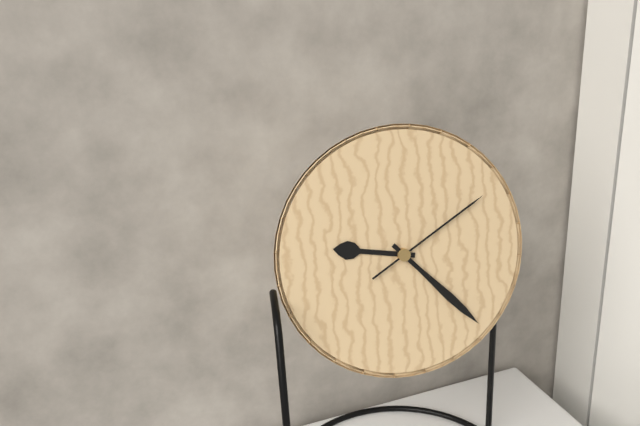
9.23.10
